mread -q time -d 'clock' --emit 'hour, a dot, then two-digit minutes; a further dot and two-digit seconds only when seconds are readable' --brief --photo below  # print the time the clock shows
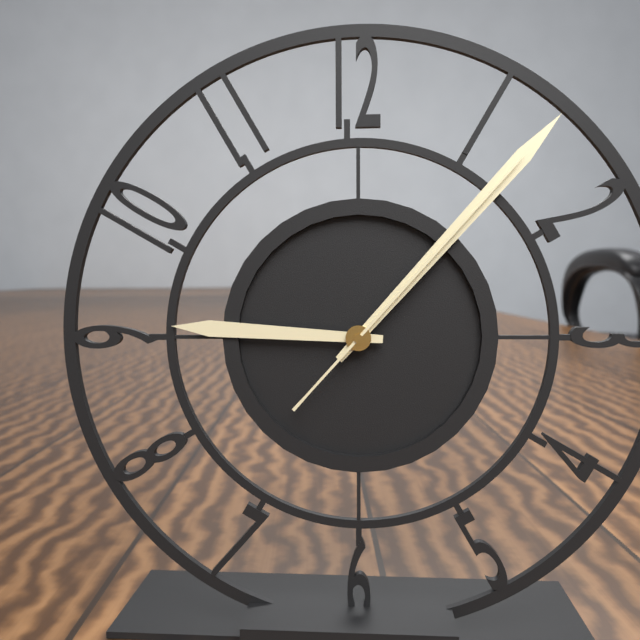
9.07.07
